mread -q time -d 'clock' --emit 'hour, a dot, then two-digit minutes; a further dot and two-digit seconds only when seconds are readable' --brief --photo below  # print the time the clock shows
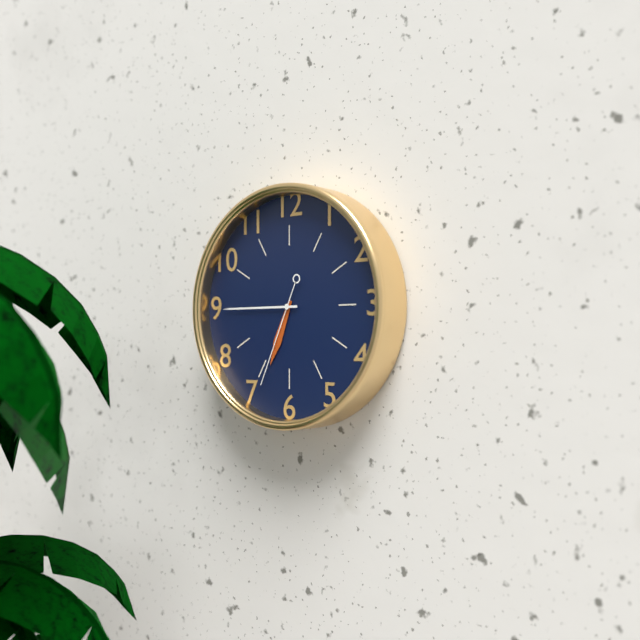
6.45.34
